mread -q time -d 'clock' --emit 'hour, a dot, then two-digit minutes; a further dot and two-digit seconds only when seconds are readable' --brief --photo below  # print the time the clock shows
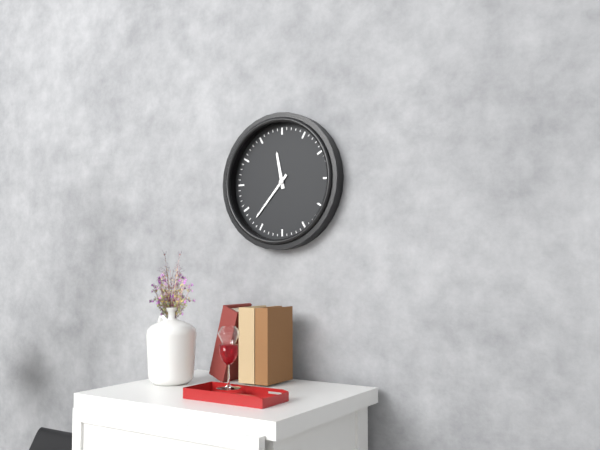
11.37
